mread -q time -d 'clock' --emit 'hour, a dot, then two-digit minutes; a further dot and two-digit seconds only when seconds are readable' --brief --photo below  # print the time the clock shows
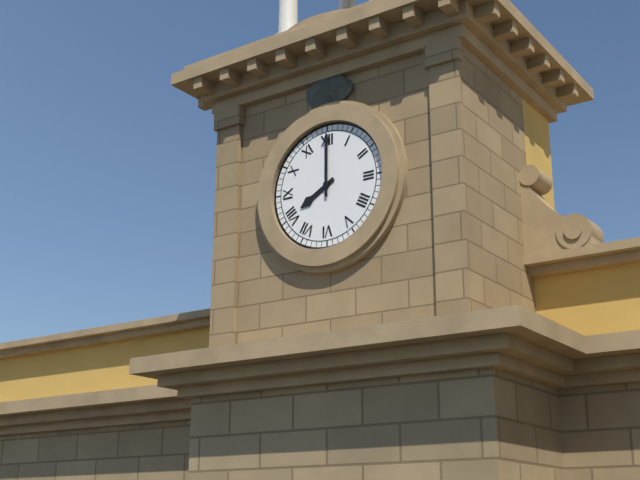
8.00
